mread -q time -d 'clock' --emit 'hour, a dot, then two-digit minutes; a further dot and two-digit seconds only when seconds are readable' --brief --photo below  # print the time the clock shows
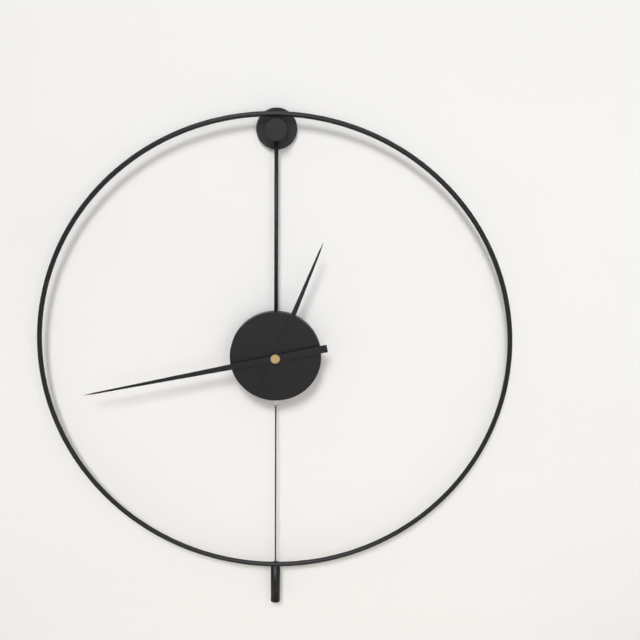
12.43
